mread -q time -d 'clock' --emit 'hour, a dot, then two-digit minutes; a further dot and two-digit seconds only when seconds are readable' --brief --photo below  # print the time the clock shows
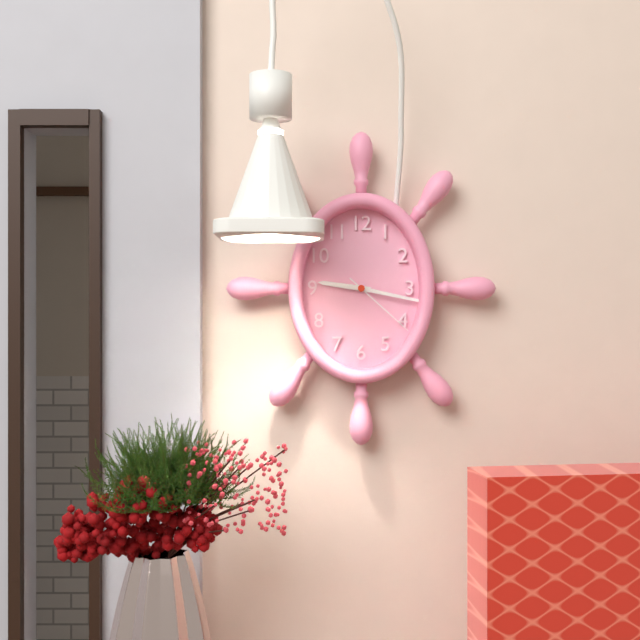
9.17.22
